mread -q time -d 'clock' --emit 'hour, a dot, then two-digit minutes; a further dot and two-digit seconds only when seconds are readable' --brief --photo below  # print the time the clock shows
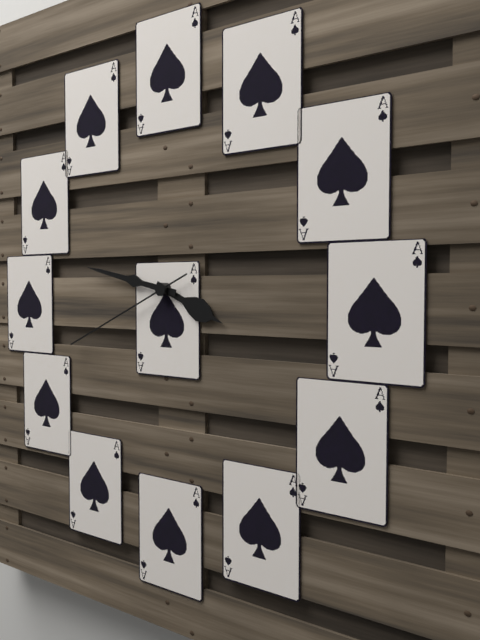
3.47.41
